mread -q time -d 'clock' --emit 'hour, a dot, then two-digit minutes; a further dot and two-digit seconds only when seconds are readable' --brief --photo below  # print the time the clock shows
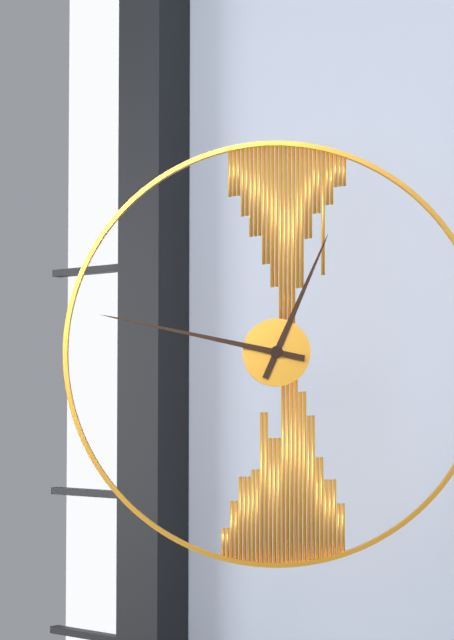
12.47
